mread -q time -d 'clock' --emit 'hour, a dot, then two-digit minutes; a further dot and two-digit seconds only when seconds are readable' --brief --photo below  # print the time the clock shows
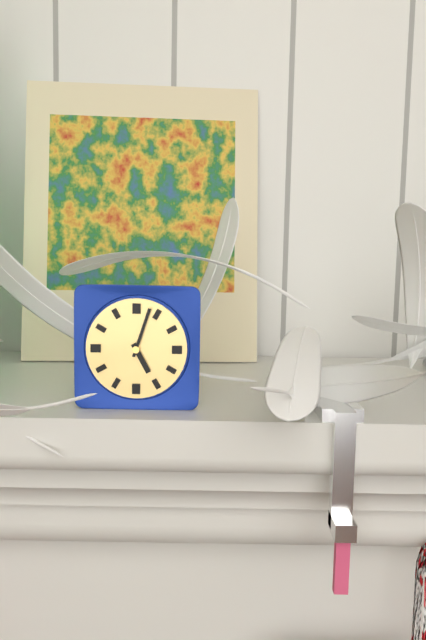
5.03
